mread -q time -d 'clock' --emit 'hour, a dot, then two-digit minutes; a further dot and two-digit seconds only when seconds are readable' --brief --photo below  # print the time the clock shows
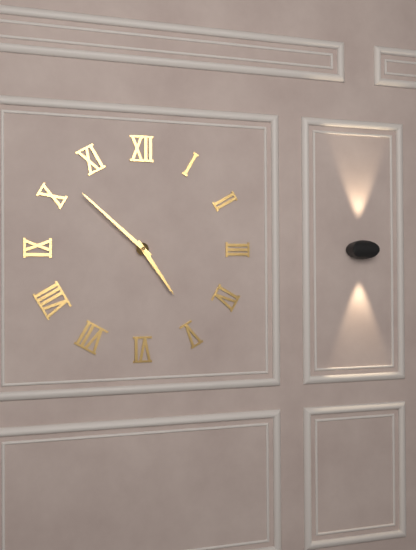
4.52
